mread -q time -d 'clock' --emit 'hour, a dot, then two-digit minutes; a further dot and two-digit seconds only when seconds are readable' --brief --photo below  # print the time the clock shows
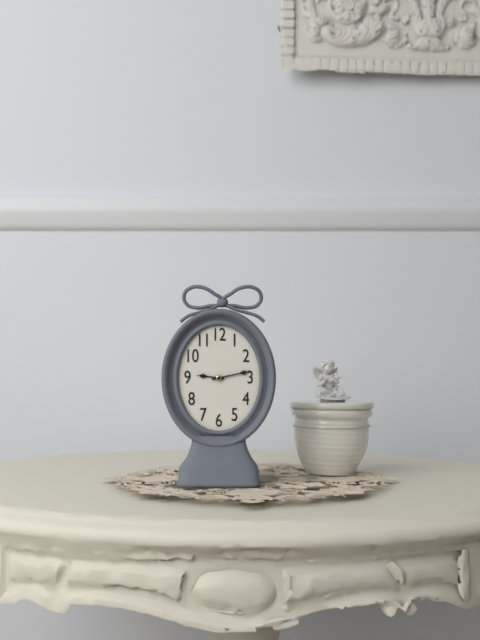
9.13
